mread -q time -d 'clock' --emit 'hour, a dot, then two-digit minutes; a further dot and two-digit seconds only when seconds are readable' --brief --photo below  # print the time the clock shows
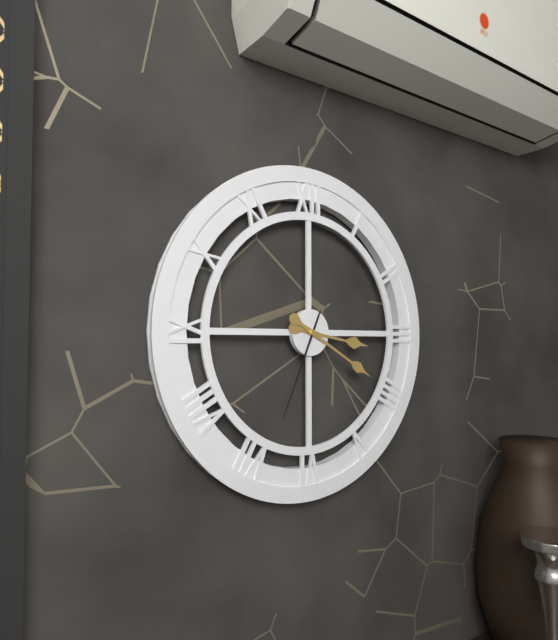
3.20.34
